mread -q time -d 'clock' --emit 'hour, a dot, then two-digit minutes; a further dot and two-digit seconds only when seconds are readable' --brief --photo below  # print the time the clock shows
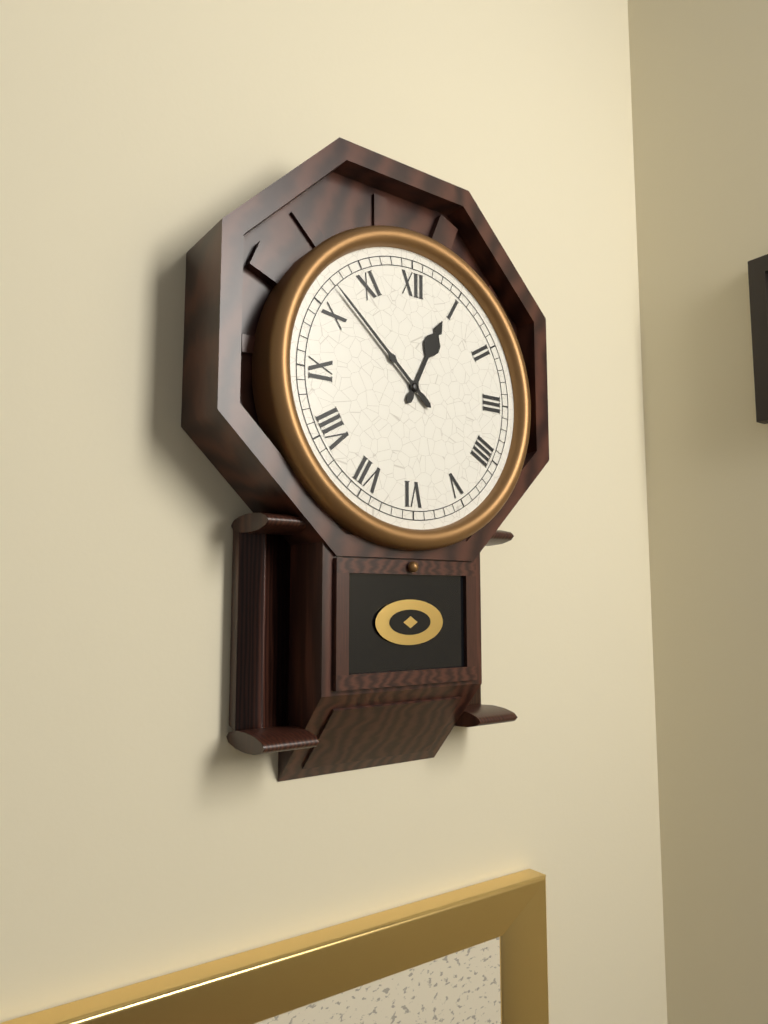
12.52
